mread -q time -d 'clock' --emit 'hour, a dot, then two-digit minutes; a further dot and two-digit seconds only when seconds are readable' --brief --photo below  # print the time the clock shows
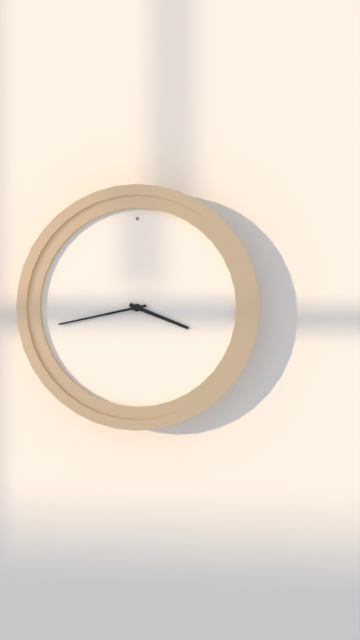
3.43
